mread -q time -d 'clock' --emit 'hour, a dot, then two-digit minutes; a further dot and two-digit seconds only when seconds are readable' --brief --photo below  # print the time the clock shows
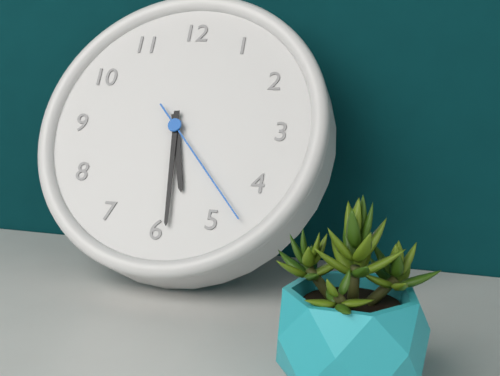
5.29.23
